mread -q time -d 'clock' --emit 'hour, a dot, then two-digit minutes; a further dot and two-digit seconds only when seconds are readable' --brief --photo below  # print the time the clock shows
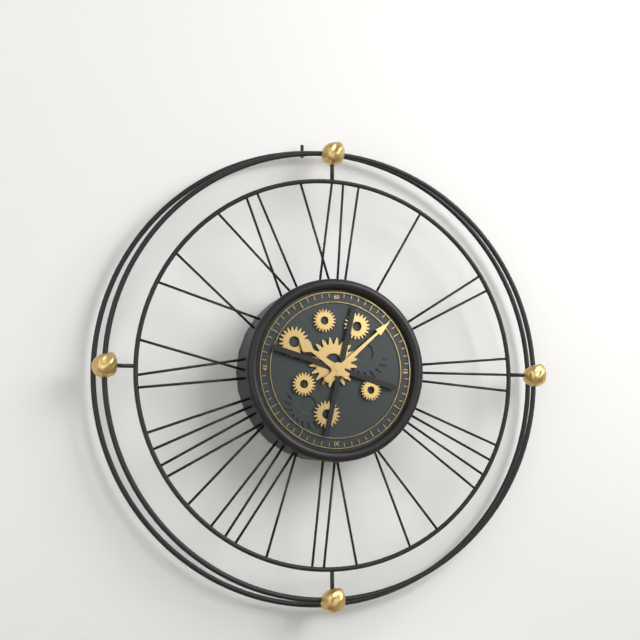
10.08
